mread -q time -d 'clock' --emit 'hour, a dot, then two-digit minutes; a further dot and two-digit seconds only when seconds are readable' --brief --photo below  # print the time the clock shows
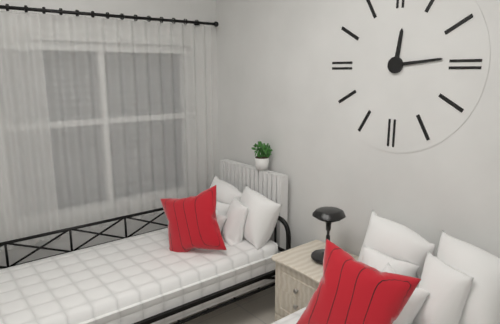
12.14
